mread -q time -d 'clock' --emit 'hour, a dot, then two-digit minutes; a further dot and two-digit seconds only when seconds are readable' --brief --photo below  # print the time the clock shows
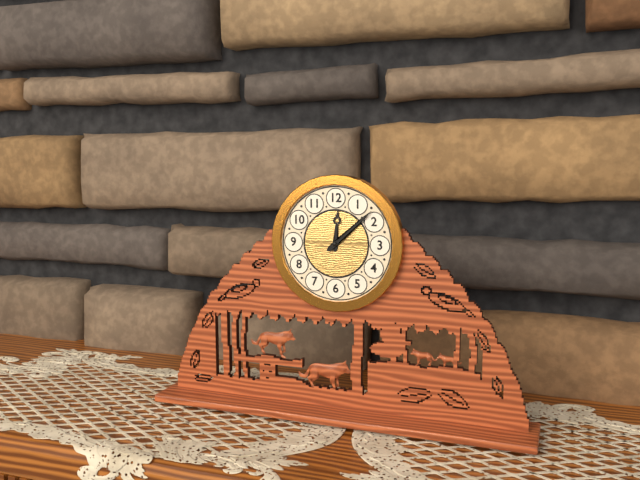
12.08
